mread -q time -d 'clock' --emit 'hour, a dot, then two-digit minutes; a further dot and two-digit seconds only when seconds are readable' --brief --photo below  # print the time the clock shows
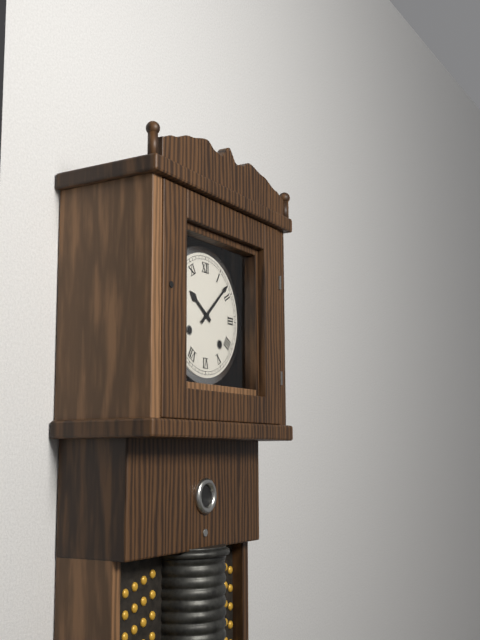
10.08
